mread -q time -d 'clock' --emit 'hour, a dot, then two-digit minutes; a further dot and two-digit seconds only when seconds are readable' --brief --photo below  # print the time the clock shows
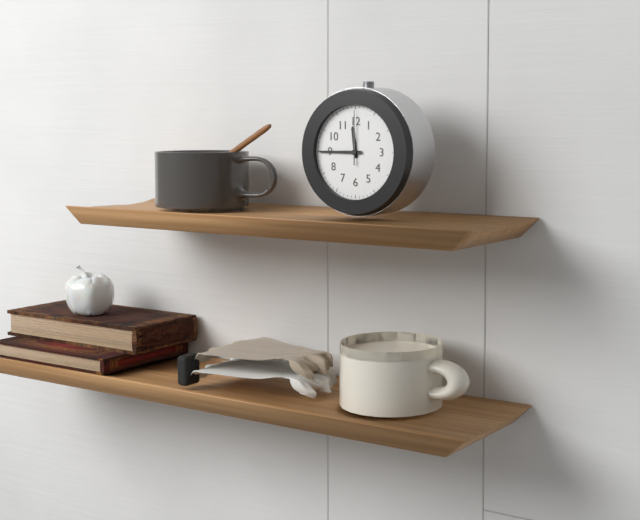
11.45.00
